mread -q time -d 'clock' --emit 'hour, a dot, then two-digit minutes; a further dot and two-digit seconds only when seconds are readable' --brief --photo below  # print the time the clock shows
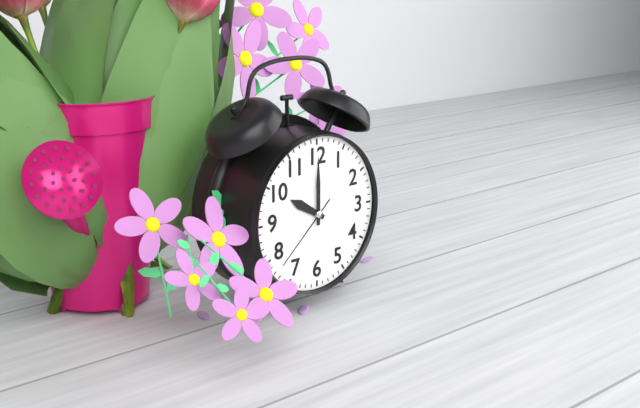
10.00.38
